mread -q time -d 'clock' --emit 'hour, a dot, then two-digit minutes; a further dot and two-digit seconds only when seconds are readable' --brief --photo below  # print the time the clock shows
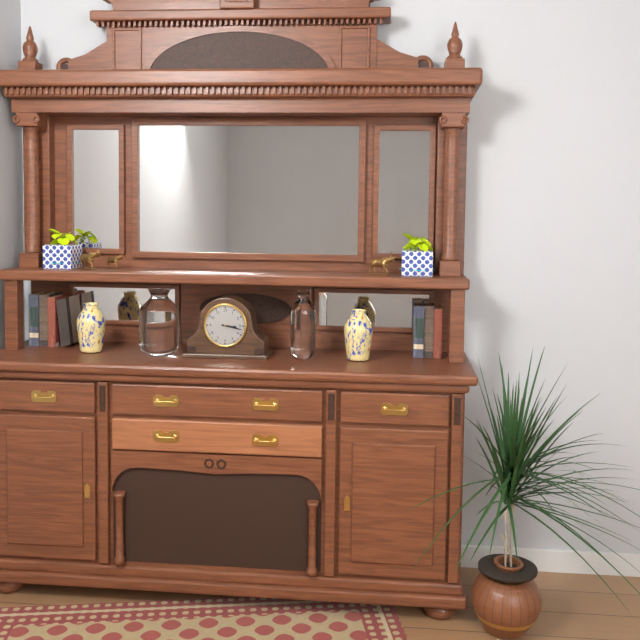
3.17
